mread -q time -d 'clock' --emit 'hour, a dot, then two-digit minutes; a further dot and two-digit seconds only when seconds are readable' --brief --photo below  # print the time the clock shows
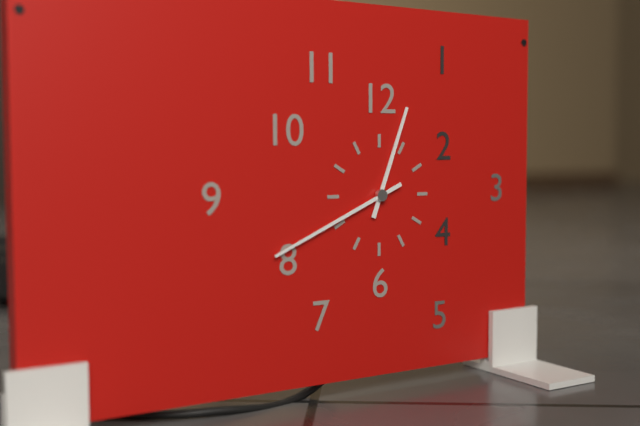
12.41
